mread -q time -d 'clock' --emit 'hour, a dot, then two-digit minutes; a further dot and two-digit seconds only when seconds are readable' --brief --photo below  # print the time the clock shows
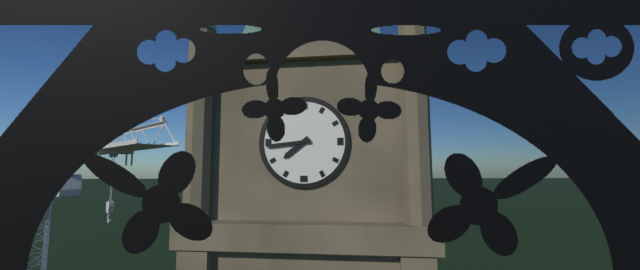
7.44
